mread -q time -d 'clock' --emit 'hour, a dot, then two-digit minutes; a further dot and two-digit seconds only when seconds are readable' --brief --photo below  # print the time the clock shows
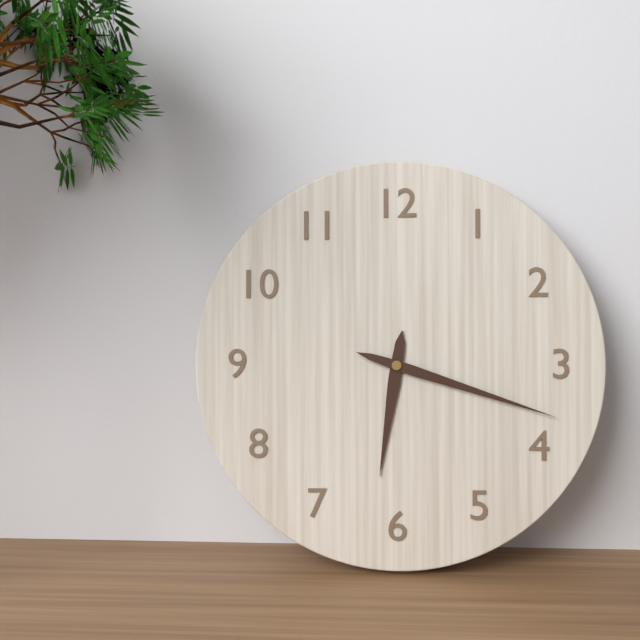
6.18
